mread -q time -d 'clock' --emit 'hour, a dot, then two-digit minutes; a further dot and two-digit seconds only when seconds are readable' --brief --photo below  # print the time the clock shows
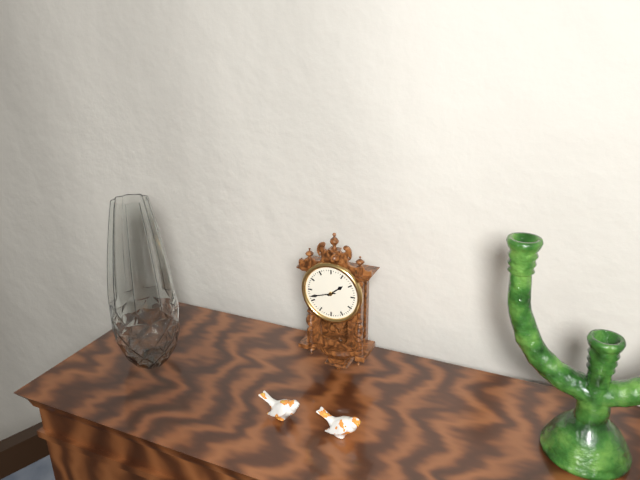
1.42
